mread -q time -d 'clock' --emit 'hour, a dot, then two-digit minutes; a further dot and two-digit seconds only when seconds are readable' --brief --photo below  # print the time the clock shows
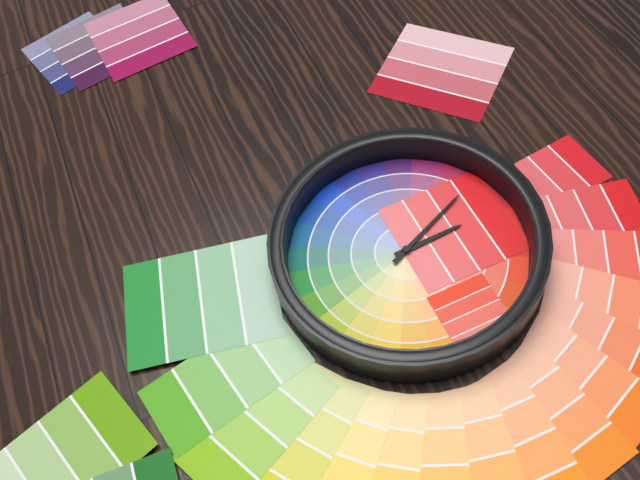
11.56
